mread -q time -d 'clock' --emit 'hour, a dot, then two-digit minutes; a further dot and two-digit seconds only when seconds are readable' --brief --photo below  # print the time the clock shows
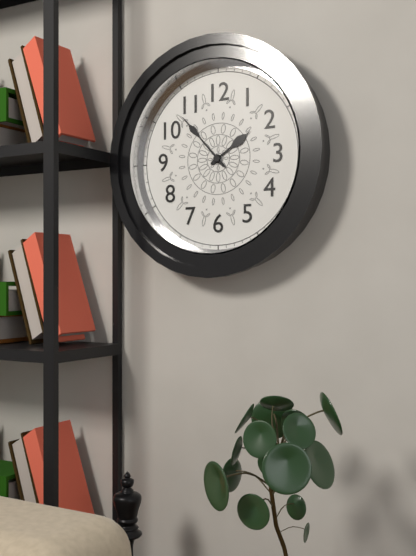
1.53
